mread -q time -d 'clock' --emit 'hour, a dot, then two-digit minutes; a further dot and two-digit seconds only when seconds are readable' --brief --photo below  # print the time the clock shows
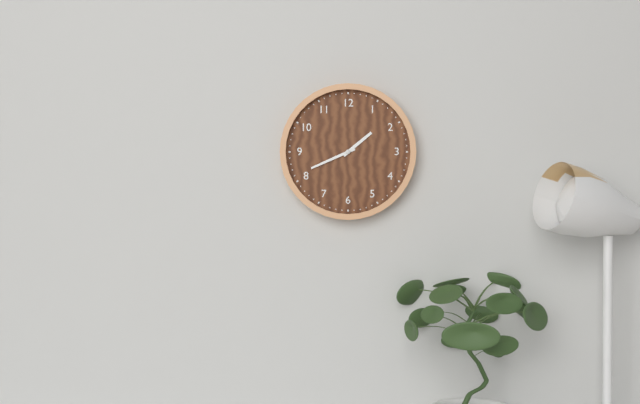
1.41
